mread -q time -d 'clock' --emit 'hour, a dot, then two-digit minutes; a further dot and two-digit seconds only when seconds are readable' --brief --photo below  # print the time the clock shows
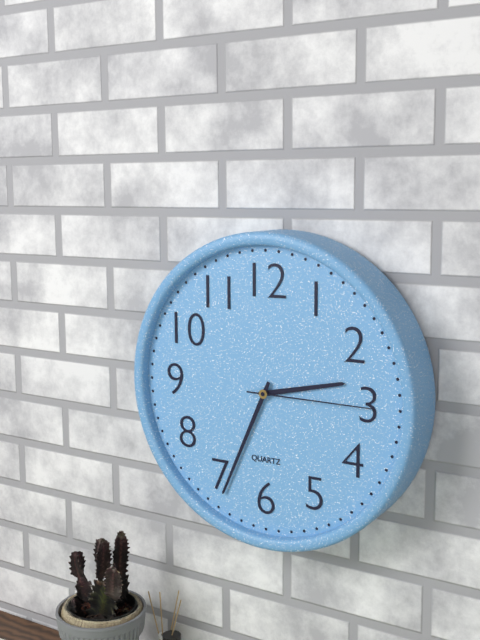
2.34.15
